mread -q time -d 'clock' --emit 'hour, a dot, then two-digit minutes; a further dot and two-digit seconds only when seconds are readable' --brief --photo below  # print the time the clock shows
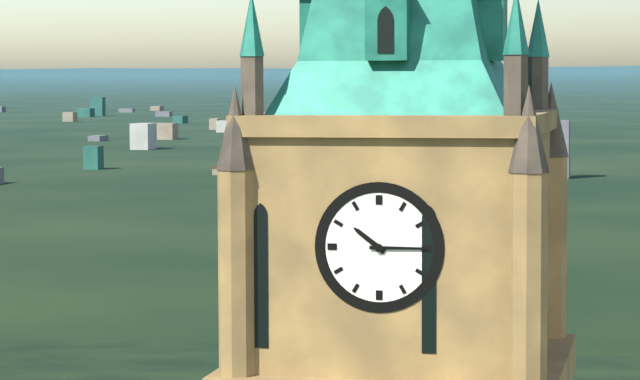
10.15
